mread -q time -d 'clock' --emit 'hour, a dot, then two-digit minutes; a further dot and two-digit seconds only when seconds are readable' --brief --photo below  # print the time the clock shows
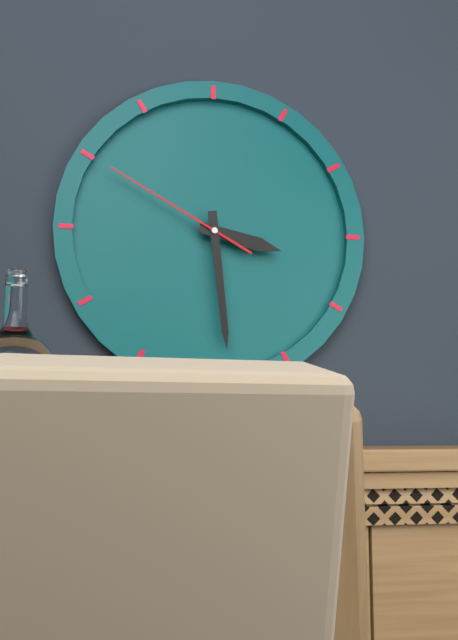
3.29.50
